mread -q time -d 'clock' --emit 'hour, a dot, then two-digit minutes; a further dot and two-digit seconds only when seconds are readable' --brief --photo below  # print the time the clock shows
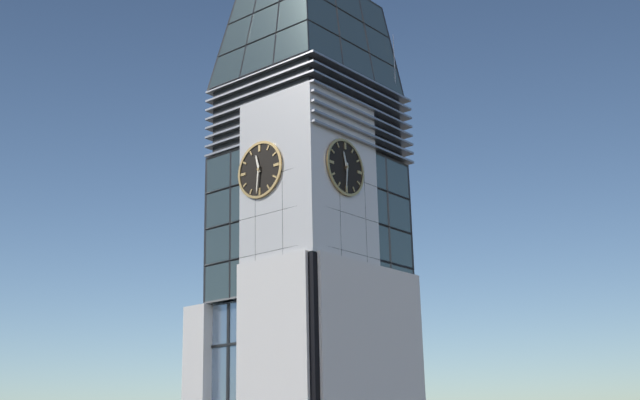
11.31
